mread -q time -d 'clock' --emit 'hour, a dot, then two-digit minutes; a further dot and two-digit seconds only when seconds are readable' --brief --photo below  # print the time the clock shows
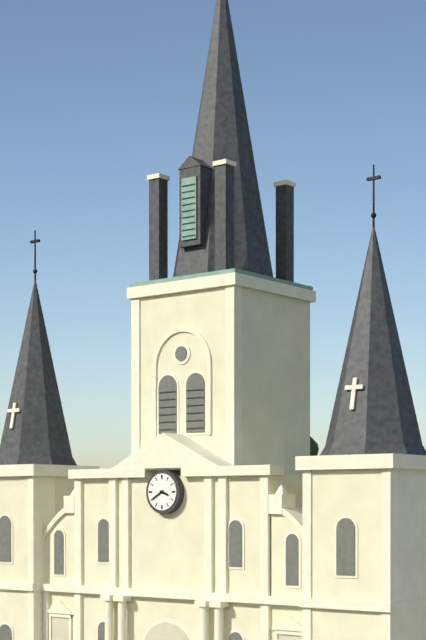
3.40
